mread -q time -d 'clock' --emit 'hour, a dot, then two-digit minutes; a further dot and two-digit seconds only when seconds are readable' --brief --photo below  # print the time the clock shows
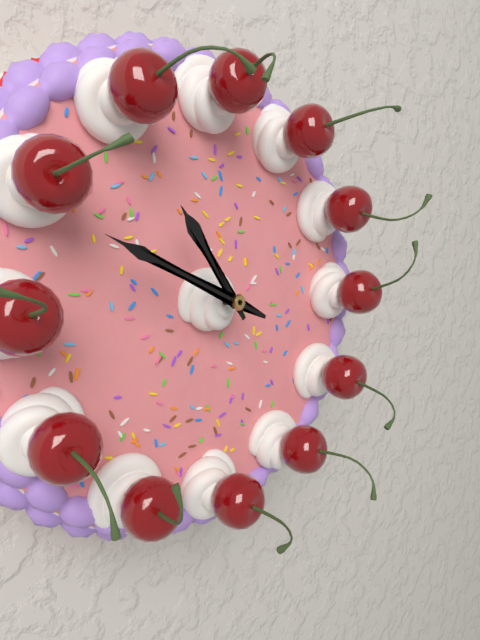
10.49
